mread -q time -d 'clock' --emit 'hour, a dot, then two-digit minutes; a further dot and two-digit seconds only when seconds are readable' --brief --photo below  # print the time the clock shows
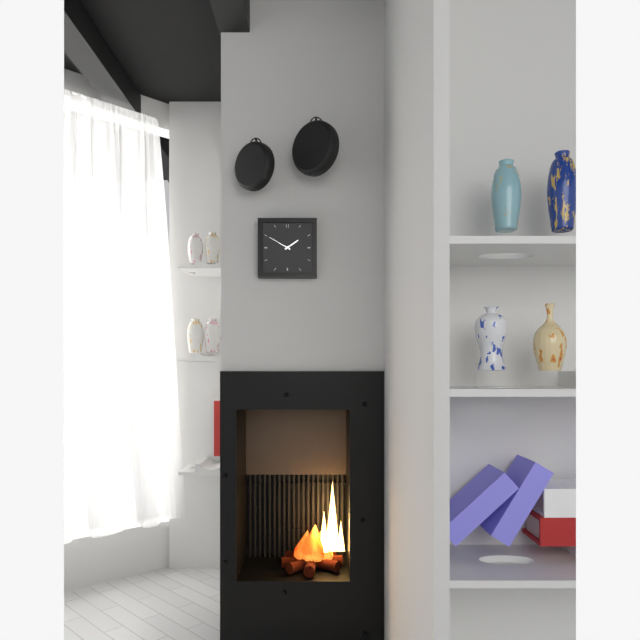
1.50
